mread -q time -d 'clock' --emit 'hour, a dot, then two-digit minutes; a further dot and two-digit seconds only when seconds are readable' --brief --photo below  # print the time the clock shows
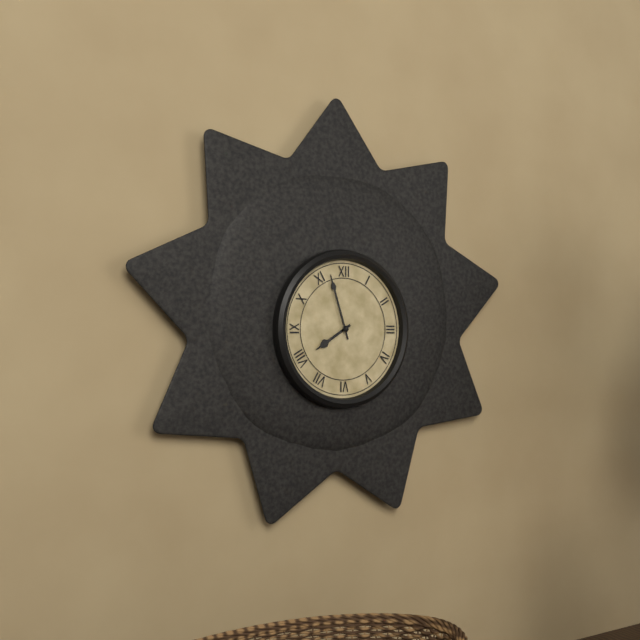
7.57
